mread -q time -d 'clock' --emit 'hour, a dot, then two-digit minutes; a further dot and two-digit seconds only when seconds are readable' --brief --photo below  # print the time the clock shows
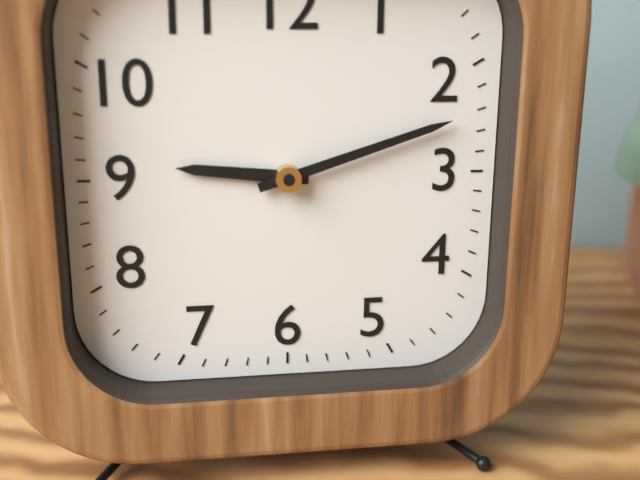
9.12
